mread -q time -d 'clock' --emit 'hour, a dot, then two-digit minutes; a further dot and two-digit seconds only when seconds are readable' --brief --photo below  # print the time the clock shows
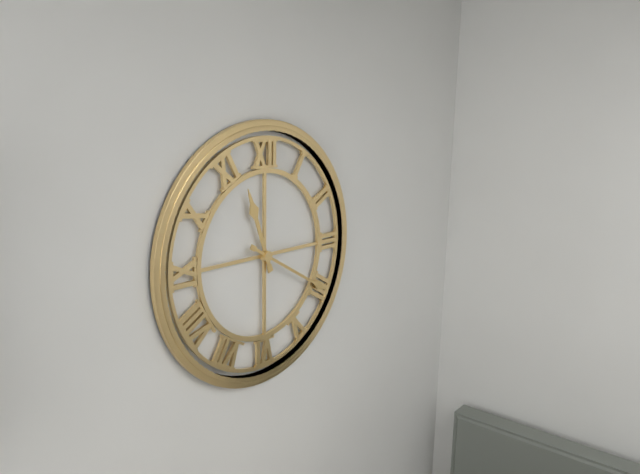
11.20
